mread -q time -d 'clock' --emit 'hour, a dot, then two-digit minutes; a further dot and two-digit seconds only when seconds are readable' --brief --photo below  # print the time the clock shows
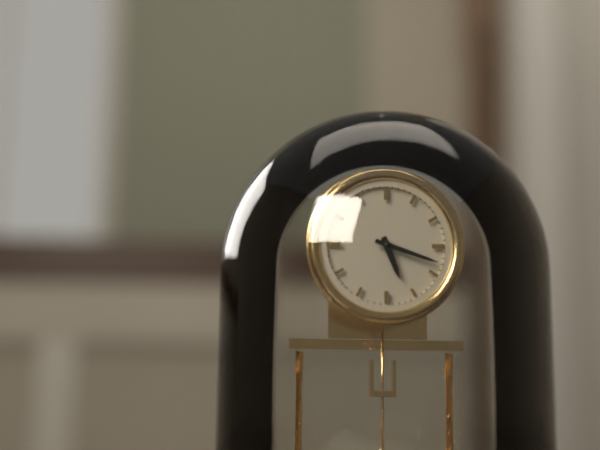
5.18
